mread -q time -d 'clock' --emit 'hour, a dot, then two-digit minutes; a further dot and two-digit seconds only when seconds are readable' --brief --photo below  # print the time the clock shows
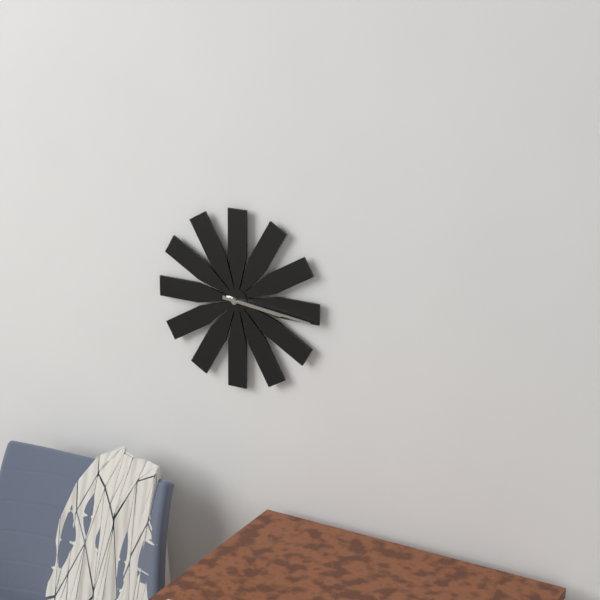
3.16
